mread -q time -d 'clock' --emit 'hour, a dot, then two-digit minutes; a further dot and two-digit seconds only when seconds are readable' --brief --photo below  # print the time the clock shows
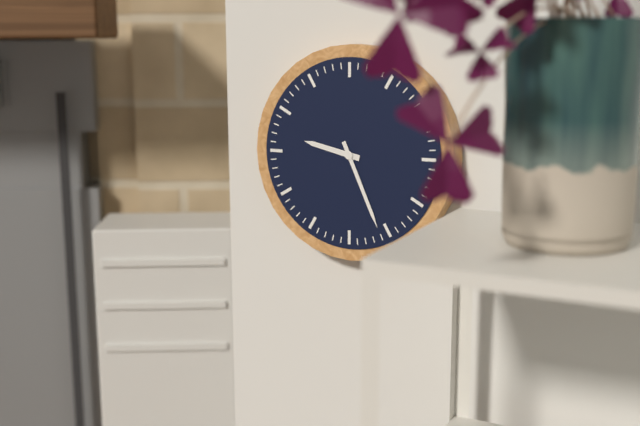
9.26
